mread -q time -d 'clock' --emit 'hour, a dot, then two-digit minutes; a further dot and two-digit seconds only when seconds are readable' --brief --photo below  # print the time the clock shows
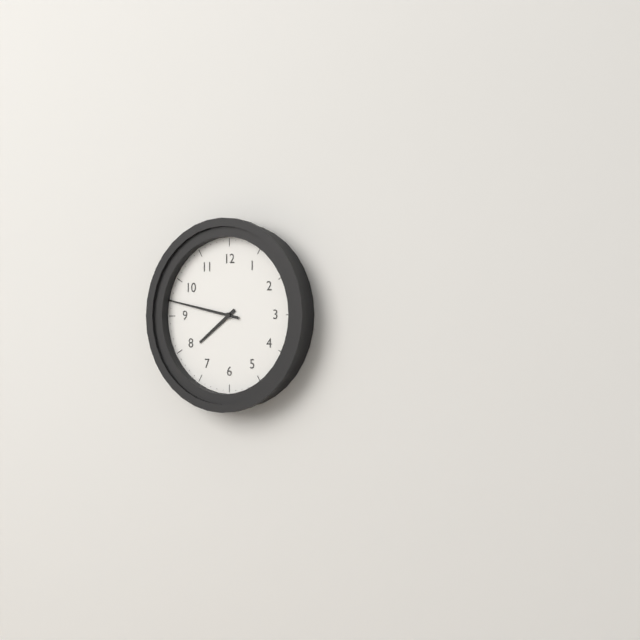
7.47
